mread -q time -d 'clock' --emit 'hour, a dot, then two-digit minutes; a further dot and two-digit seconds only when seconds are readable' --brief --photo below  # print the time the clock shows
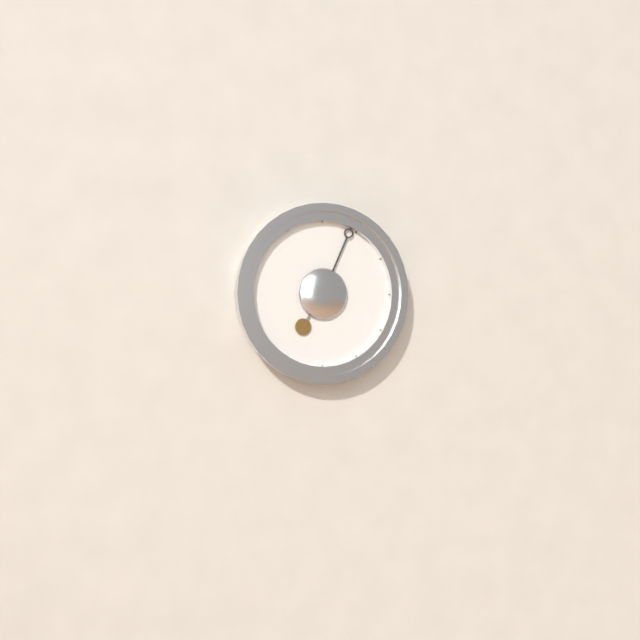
7.04
